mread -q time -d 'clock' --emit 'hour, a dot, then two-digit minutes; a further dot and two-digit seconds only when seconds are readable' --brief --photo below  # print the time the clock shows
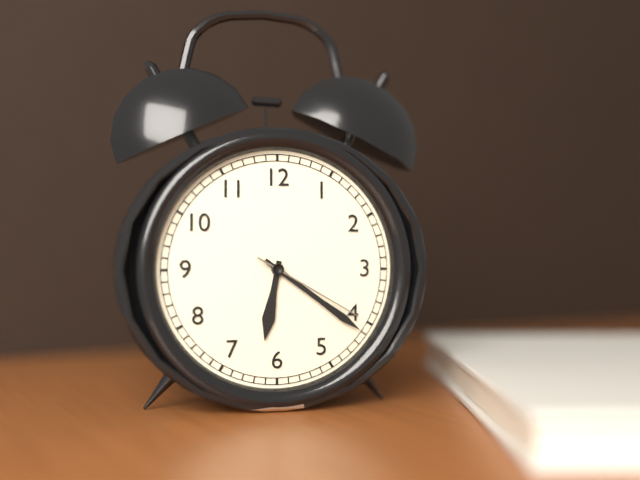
6.21.20
